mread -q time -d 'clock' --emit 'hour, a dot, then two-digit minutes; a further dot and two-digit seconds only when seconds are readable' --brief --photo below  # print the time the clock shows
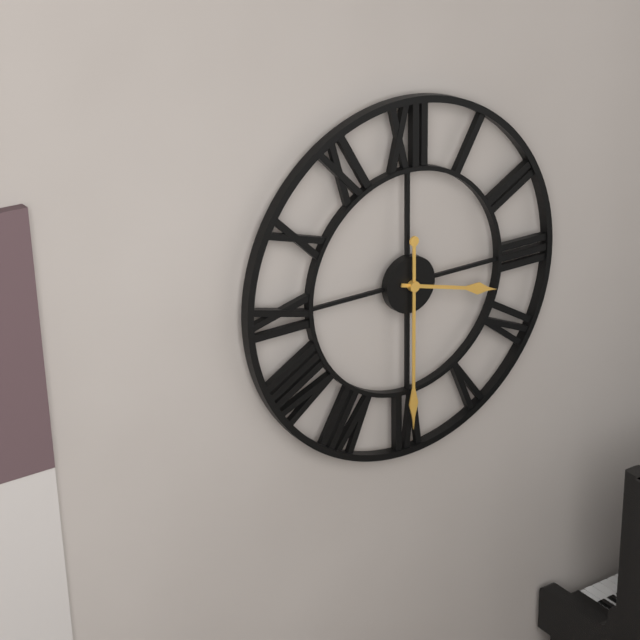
3.30
